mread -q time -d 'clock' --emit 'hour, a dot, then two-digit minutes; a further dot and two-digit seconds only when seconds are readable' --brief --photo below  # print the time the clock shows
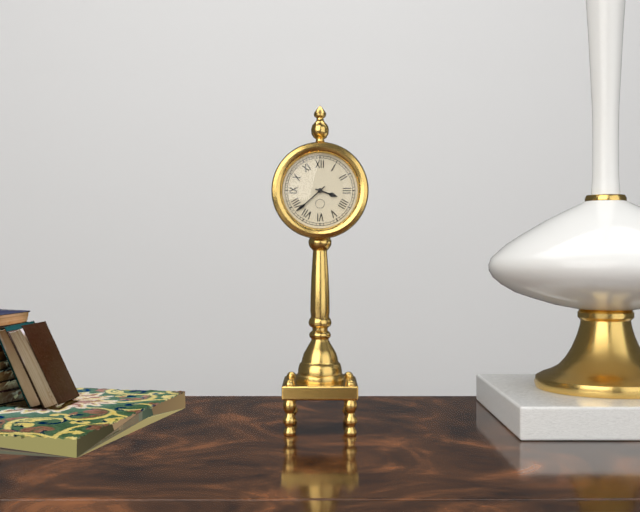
3.38
